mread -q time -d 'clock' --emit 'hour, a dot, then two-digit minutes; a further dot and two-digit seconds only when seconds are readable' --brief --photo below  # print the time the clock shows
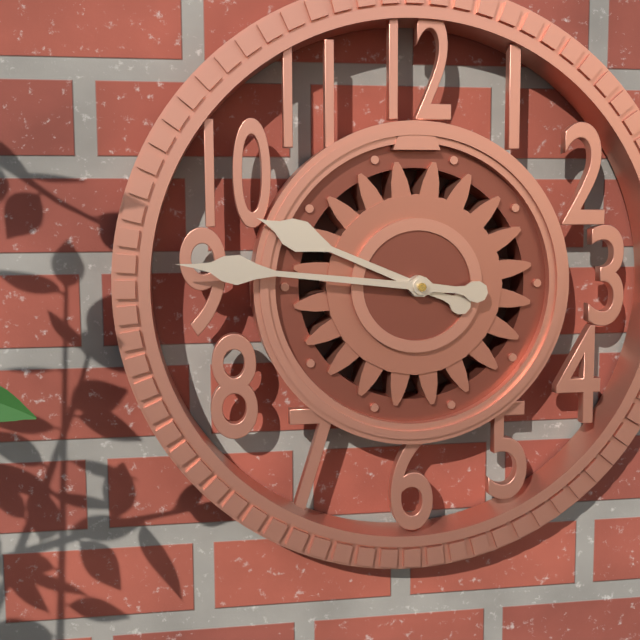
9.46
